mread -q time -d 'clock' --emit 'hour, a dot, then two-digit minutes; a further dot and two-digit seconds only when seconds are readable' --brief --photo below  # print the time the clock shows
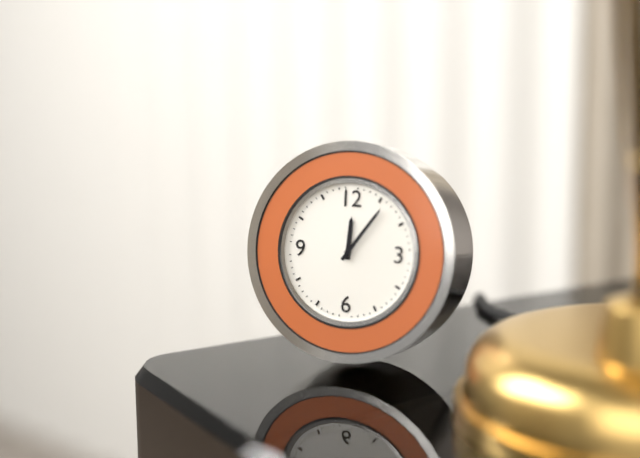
12.06
